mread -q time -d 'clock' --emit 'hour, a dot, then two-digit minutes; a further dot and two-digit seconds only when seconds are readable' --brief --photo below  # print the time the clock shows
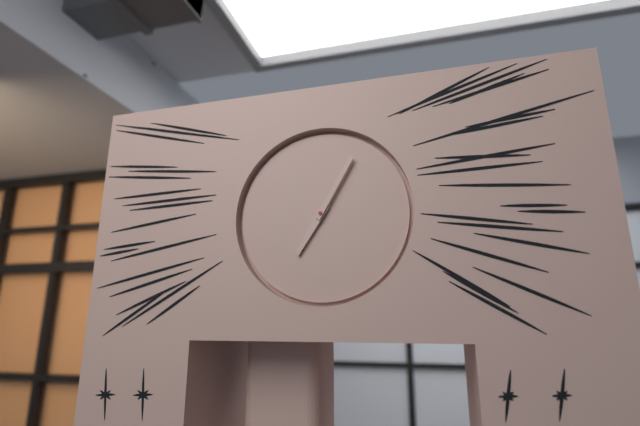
7.05
